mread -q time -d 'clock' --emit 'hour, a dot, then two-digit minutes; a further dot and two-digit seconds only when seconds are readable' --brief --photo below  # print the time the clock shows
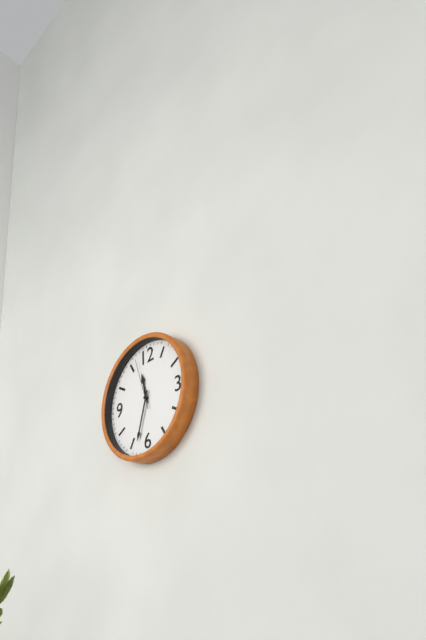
11.33
